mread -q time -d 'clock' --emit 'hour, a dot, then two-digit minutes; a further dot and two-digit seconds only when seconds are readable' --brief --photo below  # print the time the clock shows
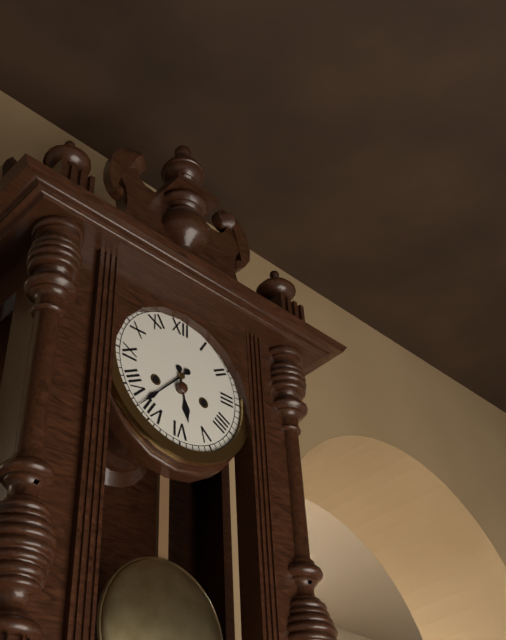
5.37
